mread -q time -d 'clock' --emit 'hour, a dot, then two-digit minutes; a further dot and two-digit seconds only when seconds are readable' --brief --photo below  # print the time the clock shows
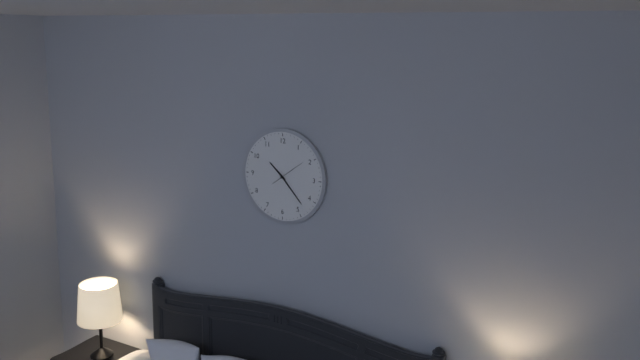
10.23
